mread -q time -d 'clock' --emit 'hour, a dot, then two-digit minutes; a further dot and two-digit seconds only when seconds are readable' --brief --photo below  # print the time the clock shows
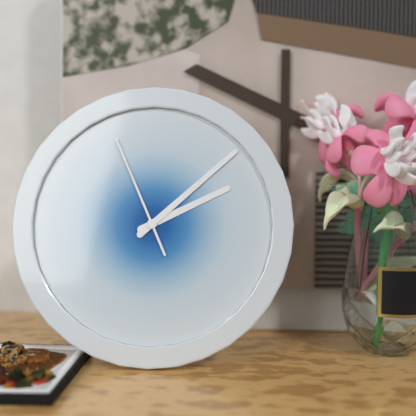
2.08.56
